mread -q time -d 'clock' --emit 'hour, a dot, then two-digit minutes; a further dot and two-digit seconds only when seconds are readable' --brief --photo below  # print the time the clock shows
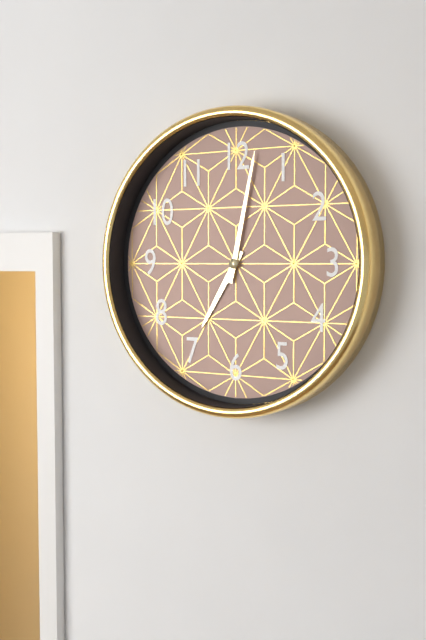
7.02
